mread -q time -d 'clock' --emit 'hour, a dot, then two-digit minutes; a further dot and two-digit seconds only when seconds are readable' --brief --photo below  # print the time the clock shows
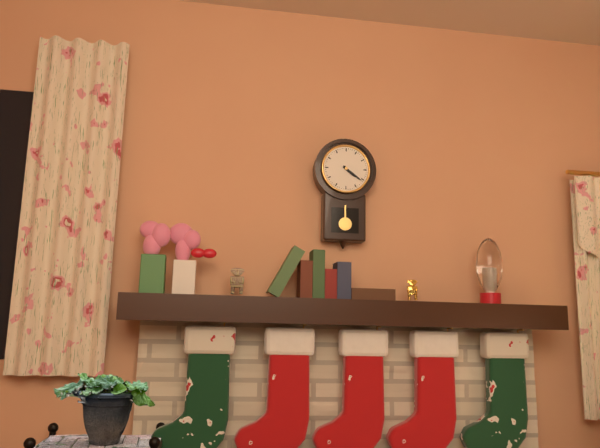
4.21
